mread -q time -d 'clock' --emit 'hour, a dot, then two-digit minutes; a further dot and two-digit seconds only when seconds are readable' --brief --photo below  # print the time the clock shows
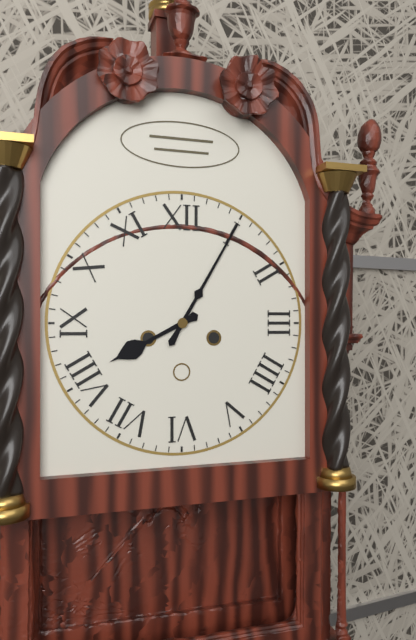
8.05
